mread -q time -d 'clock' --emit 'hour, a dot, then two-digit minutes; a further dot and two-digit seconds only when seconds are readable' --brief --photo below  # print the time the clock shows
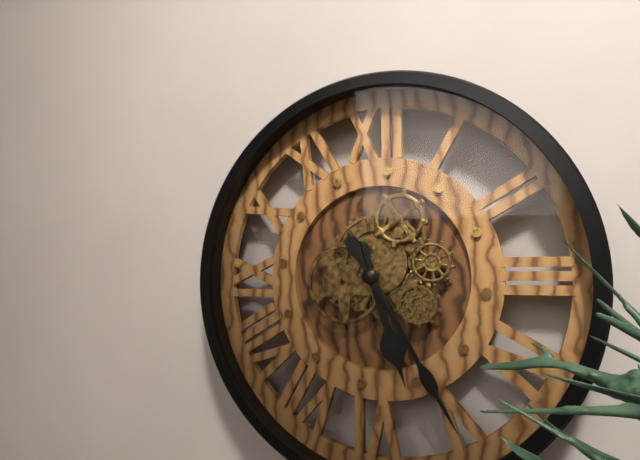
5.25
